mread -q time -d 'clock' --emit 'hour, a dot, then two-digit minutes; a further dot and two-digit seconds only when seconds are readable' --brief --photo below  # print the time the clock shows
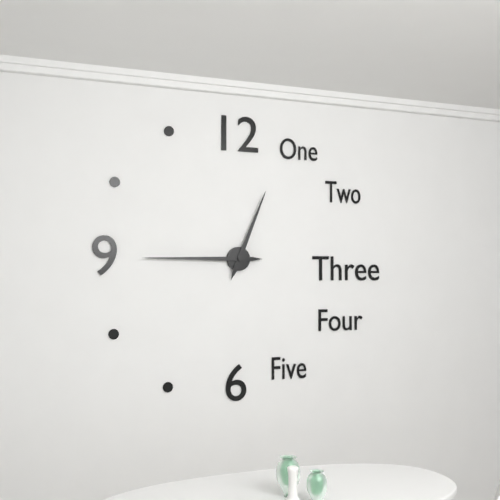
12.45
